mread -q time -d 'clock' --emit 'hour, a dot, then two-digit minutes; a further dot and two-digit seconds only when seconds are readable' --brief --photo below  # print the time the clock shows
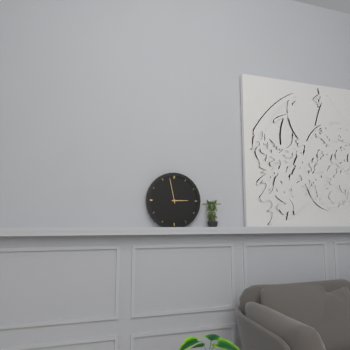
2.58
